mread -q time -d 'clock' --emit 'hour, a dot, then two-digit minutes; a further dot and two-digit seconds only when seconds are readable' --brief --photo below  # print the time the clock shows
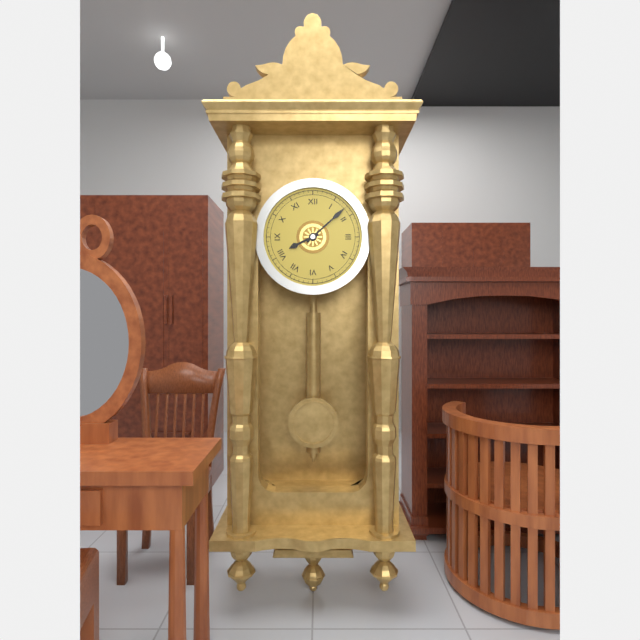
8.08
